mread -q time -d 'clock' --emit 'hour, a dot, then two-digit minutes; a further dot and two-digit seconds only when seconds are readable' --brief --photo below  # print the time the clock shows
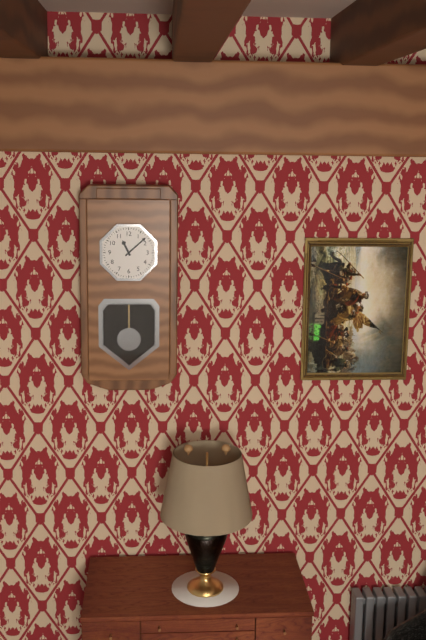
11.08
